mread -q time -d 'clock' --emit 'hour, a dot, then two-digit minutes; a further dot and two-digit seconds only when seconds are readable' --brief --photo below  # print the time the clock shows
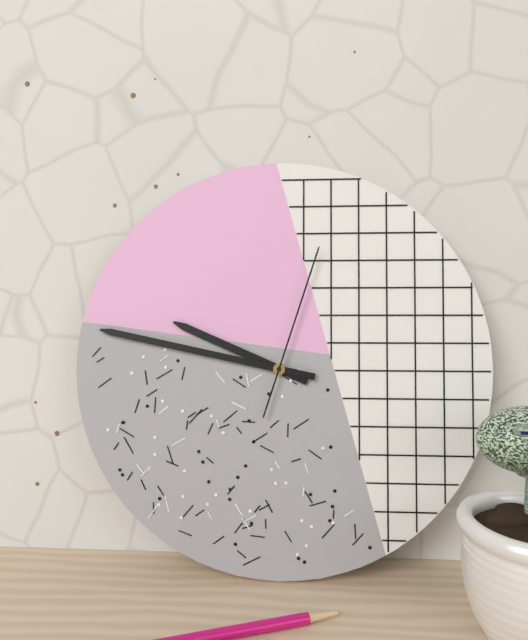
9.47.03
